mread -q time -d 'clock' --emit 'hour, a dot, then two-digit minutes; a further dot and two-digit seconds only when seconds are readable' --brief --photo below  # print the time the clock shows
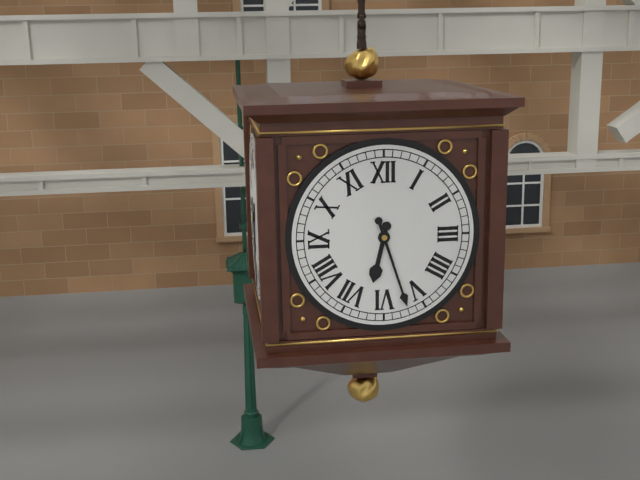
6.27
